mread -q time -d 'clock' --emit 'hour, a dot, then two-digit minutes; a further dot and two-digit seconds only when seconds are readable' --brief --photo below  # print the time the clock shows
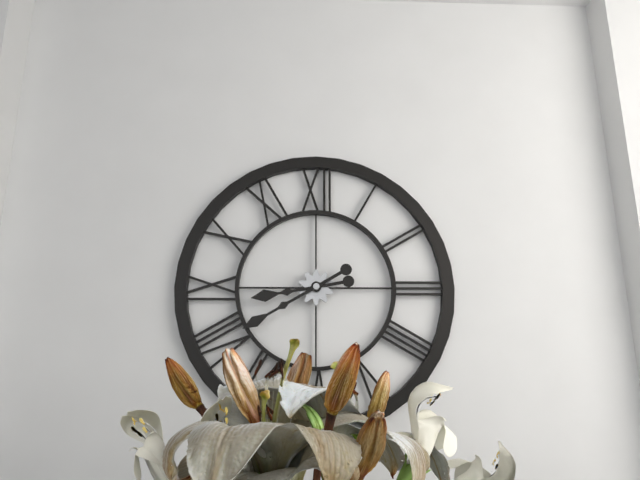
8.40
